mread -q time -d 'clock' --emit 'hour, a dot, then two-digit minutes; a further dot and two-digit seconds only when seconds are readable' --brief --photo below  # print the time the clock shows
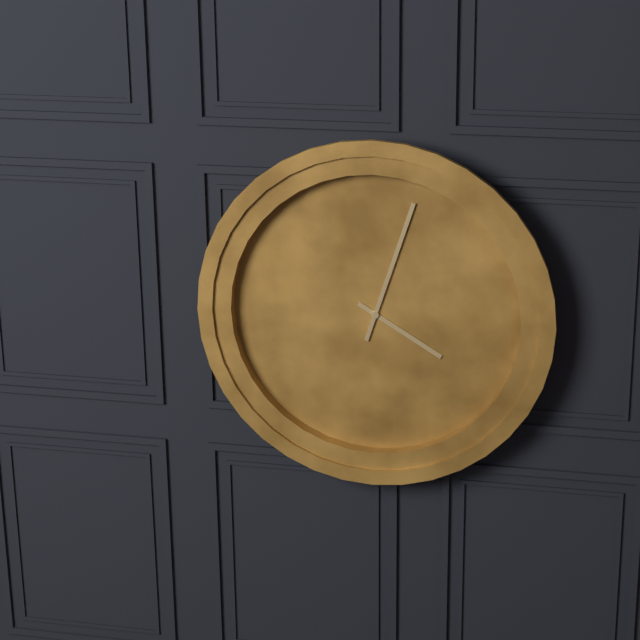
4.03
